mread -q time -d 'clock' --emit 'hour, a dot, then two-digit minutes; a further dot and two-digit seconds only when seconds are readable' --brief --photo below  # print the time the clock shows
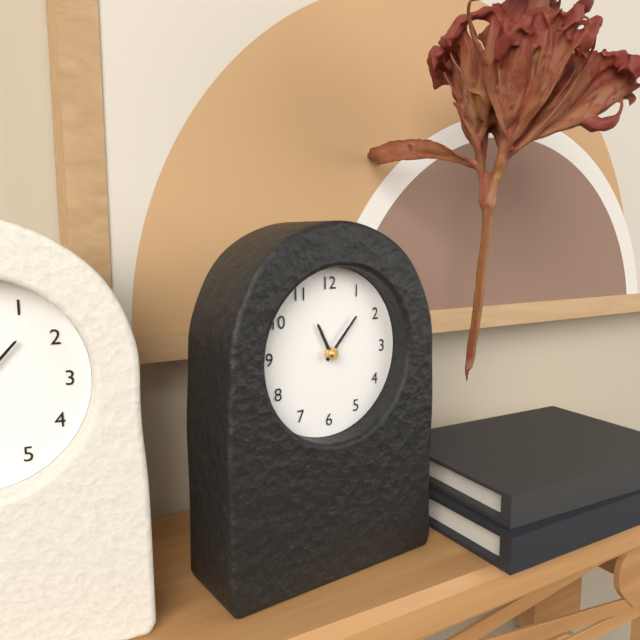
11.07
